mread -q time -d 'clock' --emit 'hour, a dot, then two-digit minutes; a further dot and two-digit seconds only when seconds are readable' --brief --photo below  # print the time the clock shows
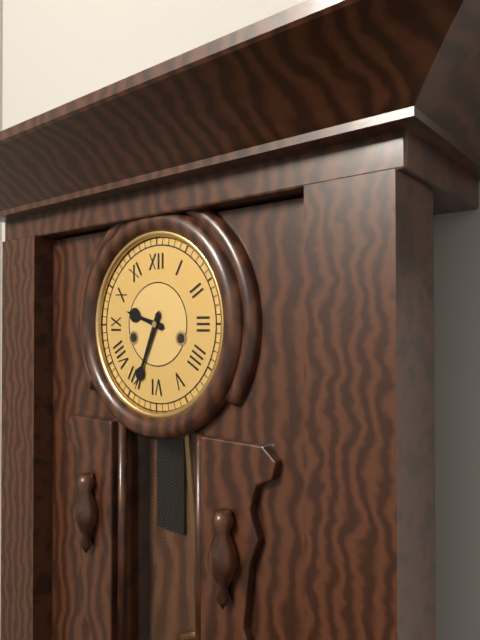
9.34
